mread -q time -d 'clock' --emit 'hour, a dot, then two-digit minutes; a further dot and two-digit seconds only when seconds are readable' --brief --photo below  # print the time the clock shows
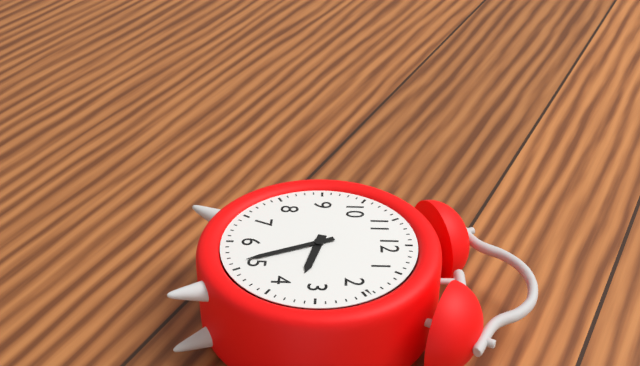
3.26
